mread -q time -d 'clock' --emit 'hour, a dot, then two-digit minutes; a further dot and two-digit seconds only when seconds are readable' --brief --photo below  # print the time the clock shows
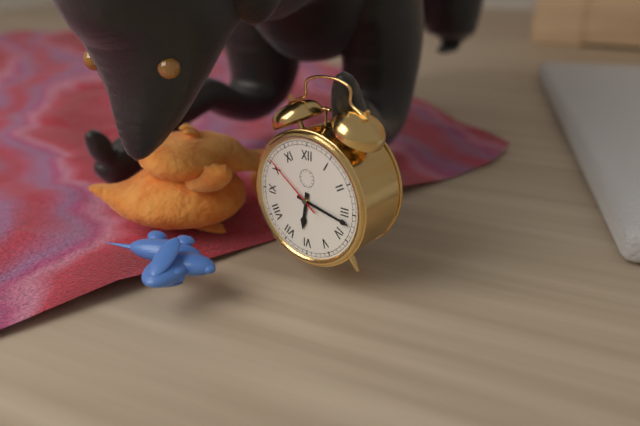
6.17.51
